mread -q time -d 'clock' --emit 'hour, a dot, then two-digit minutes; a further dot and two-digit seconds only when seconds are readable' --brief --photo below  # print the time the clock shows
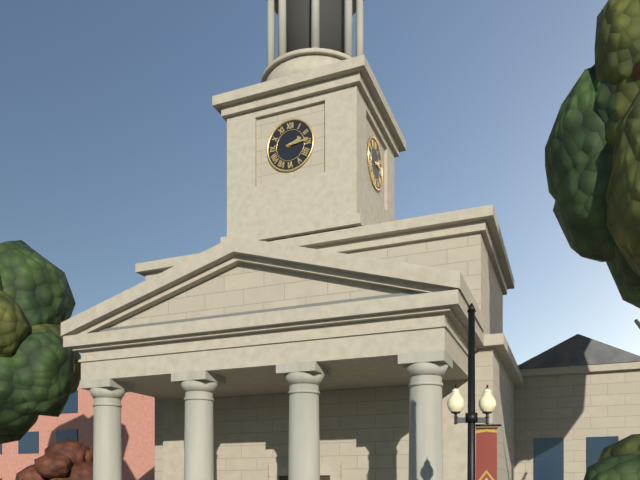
2.14
